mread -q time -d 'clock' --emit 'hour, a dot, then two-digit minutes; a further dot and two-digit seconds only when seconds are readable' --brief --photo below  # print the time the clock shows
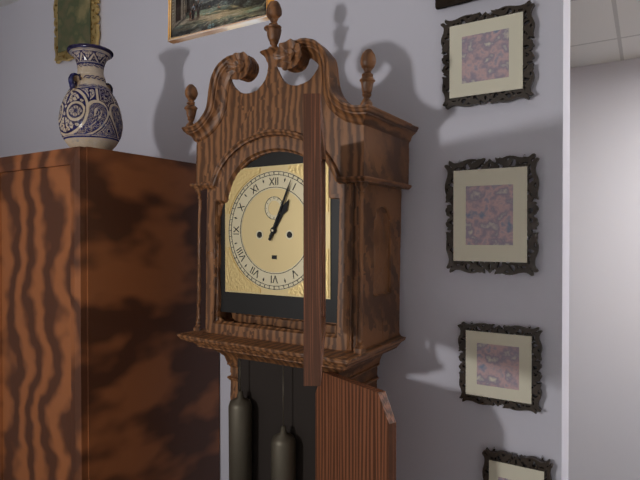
1.04
